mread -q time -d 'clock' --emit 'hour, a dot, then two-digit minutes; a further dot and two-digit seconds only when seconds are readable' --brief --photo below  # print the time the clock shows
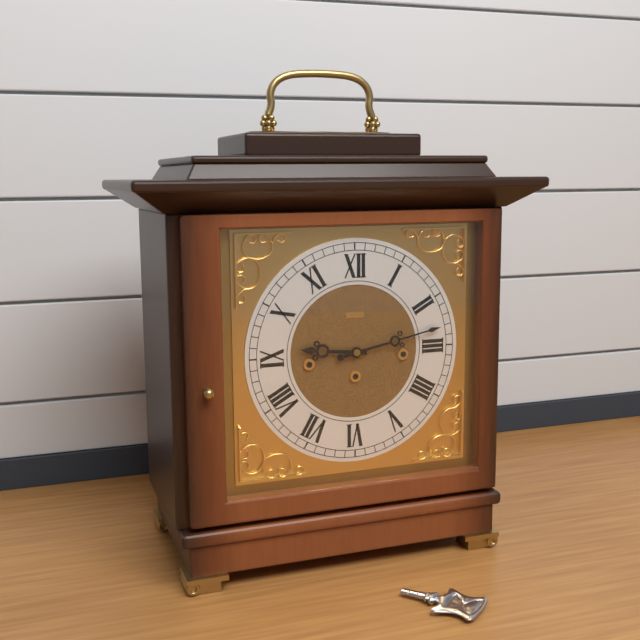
9.13
